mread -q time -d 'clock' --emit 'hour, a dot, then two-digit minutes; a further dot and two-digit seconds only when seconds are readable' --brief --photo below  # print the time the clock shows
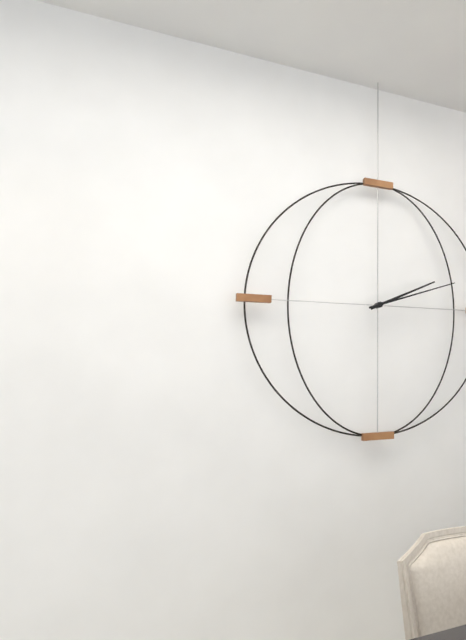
2.12
